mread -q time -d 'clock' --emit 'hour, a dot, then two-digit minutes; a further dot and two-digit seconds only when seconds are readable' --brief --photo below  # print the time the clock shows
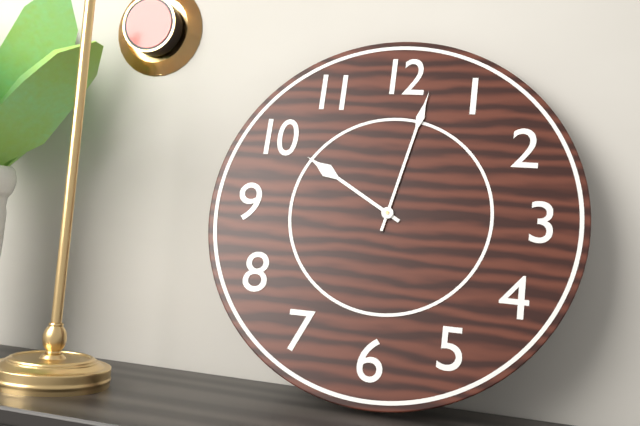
10.02
